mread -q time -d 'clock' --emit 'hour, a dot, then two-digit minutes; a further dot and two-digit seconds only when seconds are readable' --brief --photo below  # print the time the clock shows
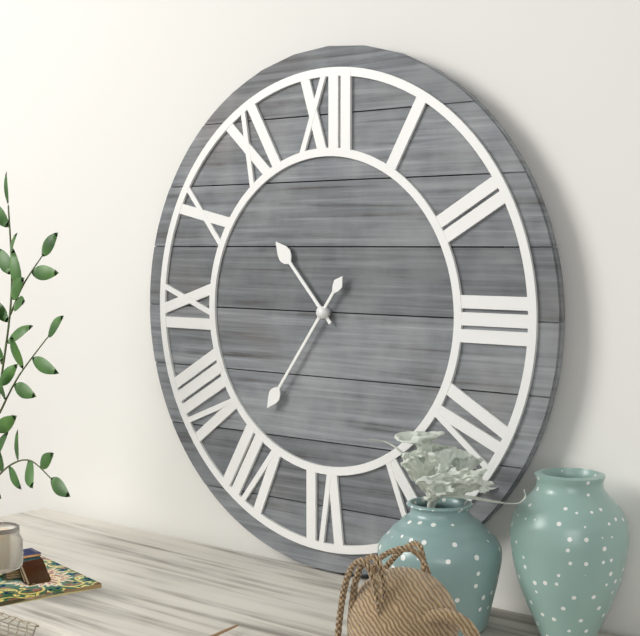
10.36
